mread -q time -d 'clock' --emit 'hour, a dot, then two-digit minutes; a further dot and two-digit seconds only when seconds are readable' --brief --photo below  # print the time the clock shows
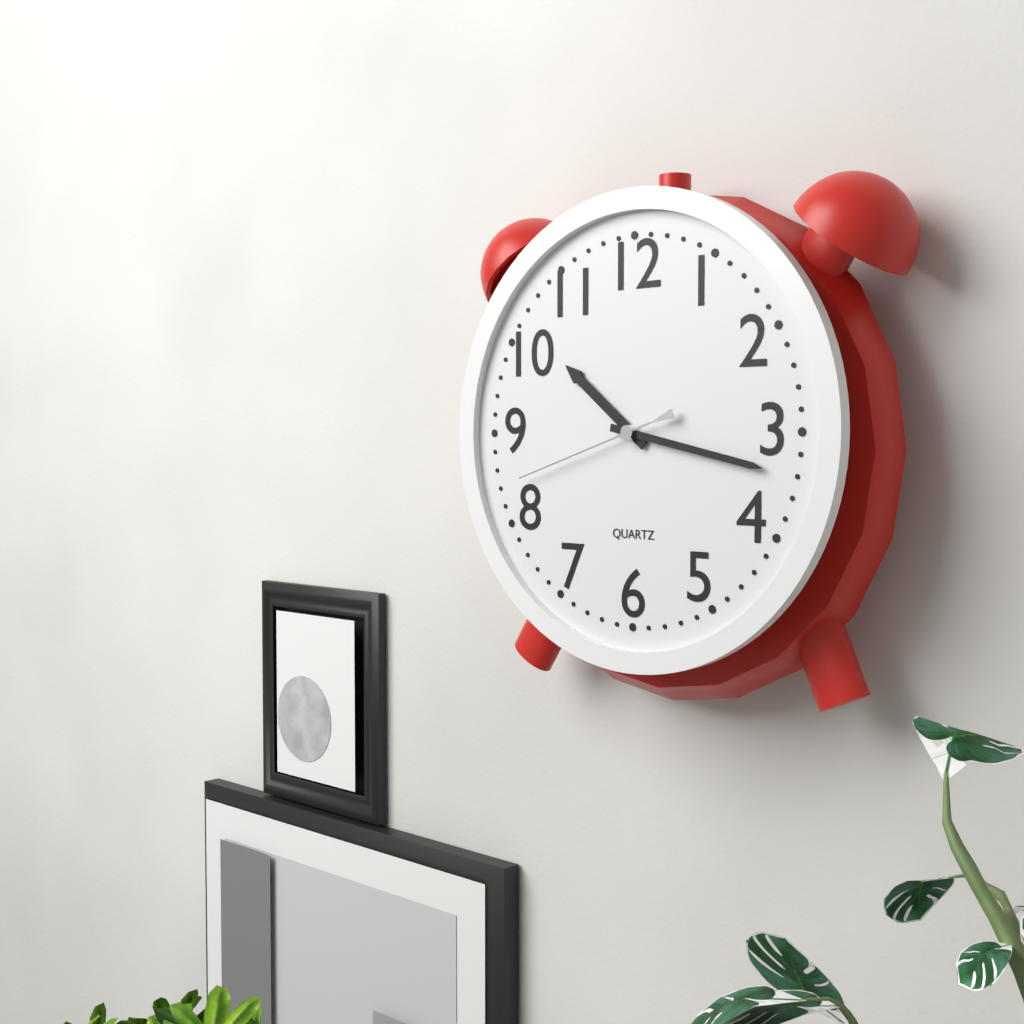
10.17.42
